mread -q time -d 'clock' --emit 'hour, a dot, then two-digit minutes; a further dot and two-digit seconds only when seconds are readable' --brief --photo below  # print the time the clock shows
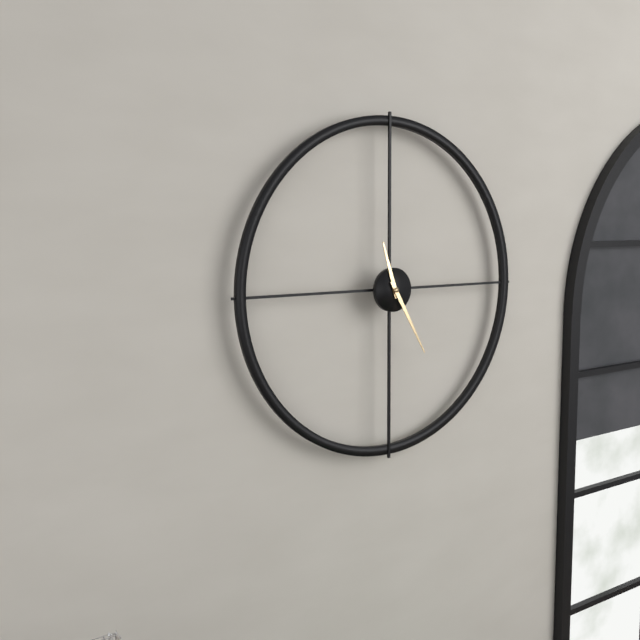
11.25
